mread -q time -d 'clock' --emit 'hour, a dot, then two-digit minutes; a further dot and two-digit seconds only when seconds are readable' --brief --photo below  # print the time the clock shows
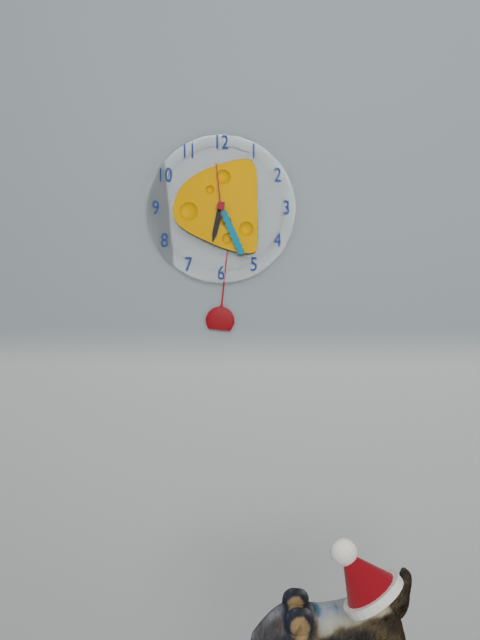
6.26.59
